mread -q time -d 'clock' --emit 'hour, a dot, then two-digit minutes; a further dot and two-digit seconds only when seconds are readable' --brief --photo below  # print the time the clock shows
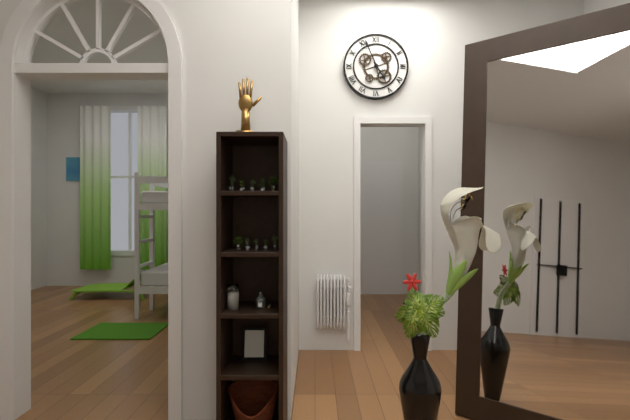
4.56
